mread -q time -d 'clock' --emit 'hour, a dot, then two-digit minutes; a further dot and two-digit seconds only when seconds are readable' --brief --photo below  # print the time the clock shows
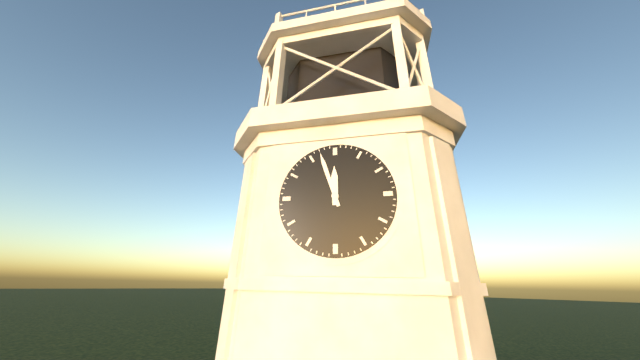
11.57
